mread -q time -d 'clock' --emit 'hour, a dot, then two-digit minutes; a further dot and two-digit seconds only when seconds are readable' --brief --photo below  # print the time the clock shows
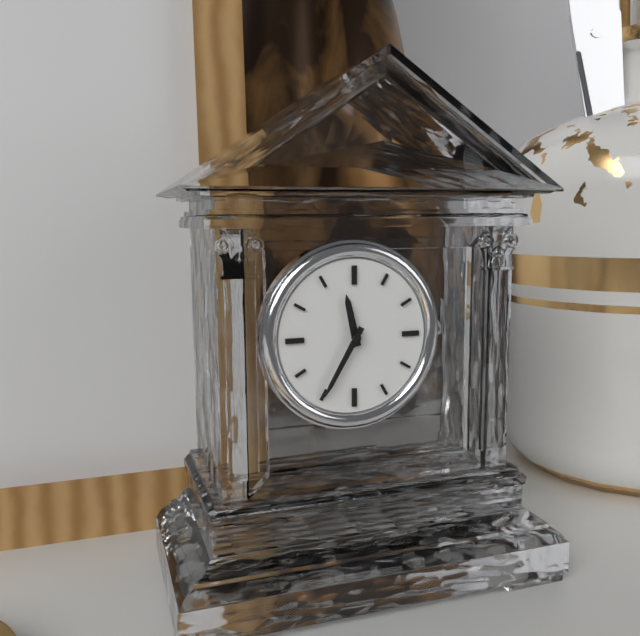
11.35
